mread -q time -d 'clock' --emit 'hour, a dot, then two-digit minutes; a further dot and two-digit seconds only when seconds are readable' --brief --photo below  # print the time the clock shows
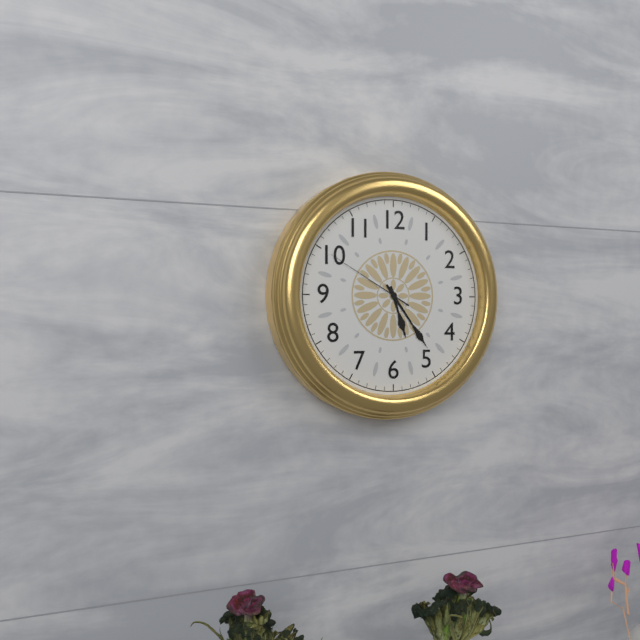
5.24.50
